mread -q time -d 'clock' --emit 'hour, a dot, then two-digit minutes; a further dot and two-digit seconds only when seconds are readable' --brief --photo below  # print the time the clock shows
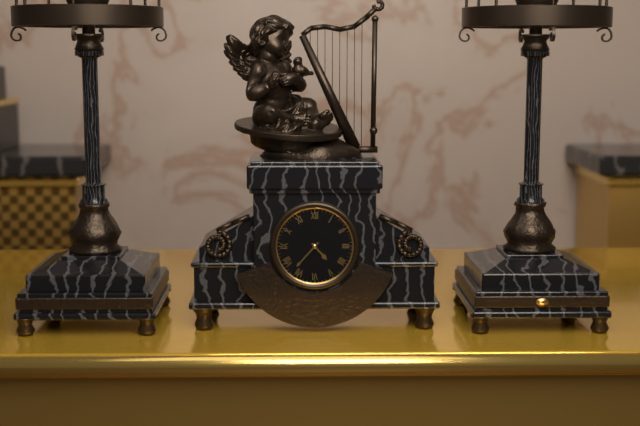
4.37
